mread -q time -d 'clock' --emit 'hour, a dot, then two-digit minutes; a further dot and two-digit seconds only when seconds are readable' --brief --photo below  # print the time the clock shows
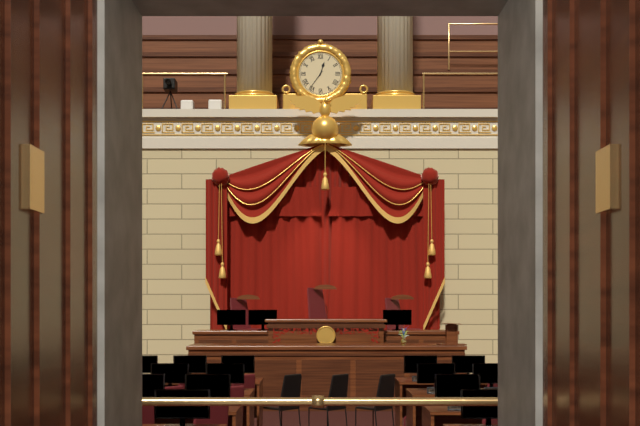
12.36
